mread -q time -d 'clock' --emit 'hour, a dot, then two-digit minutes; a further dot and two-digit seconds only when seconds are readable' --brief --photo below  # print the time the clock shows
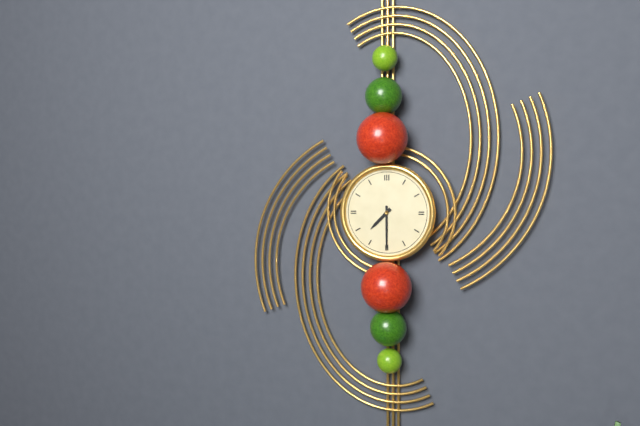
7.30
